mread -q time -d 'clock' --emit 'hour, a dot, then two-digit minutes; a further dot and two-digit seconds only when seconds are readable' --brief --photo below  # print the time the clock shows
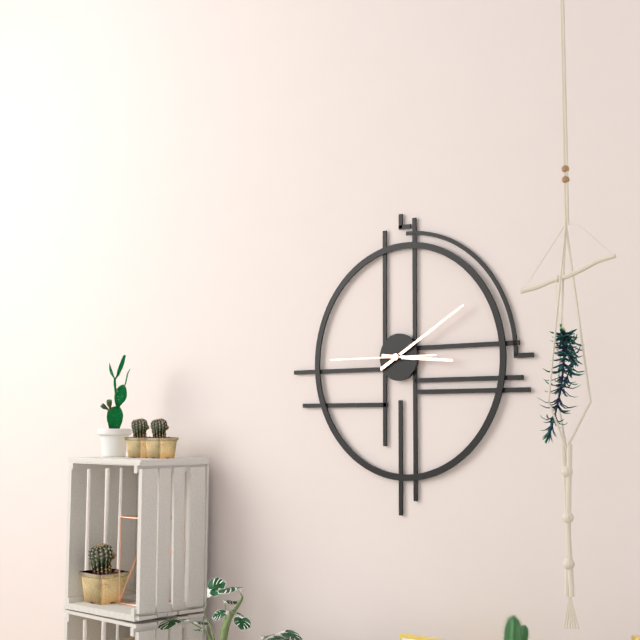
3.10.45
